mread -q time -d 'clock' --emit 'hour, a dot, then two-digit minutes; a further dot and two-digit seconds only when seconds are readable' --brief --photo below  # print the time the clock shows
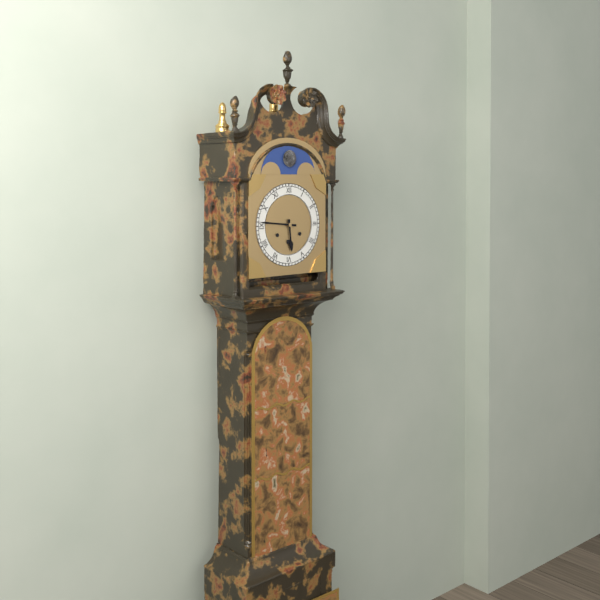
5.46
